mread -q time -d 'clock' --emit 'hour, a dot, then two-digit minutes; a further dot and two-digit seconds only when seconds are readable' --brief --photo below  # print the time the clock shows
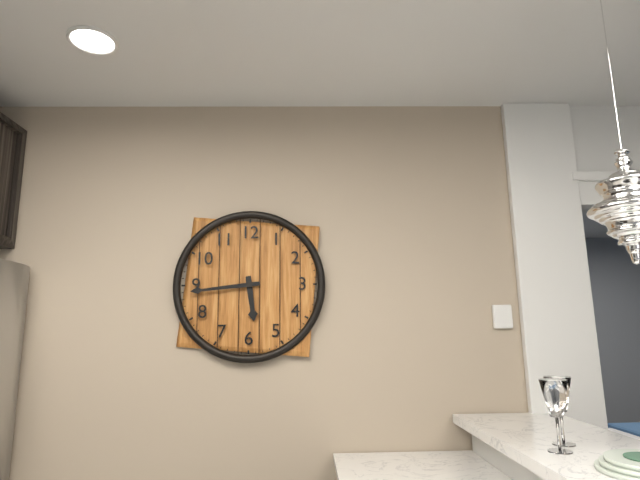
5.44
